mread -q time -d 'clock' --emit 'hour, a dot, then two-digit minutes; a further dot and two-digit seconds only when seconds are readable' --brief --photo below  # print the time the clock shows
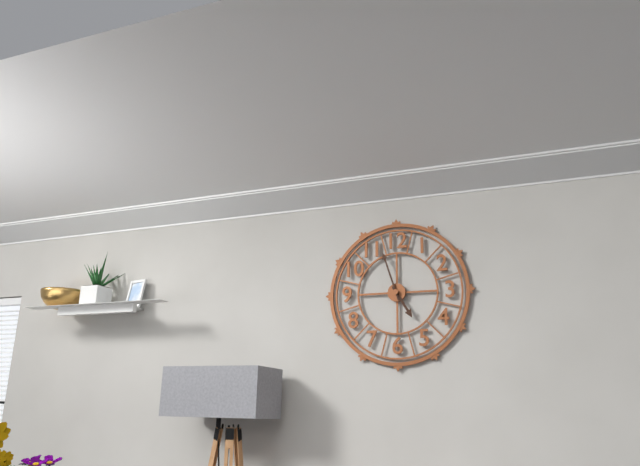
4.57
